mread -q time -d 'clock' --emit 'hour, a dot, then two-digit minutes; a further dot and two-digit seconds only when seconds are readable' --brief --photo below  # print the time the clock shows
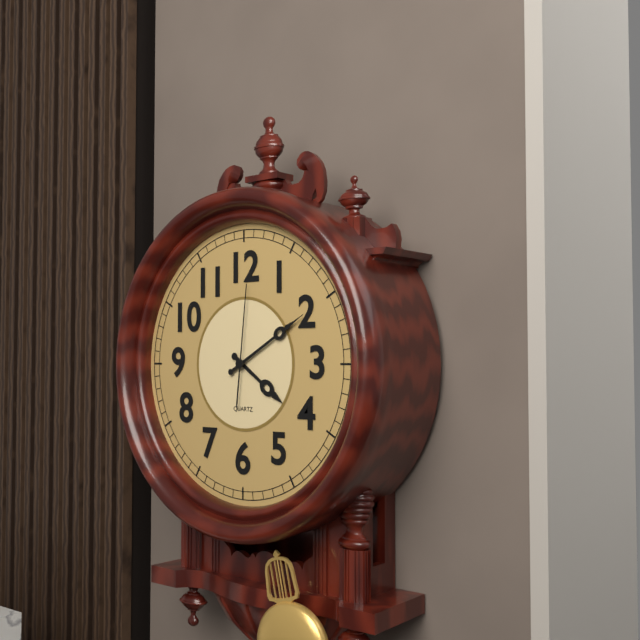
4.10.01
